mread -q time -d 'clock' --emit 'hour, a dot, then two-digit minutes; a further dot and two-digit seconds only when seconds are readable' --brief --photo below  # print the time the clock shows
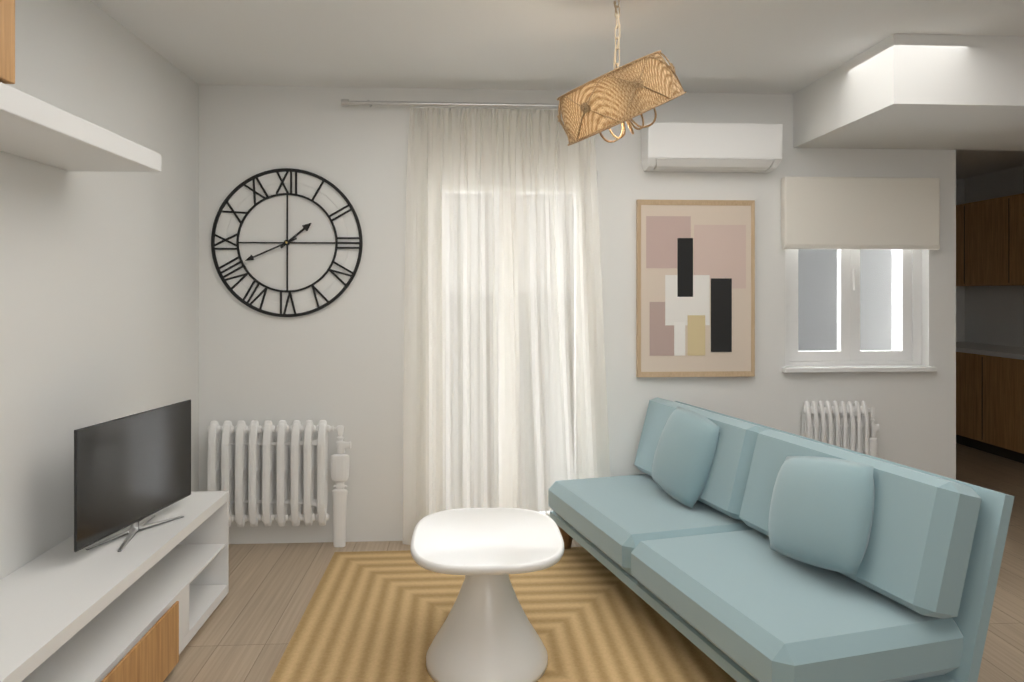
1.41
